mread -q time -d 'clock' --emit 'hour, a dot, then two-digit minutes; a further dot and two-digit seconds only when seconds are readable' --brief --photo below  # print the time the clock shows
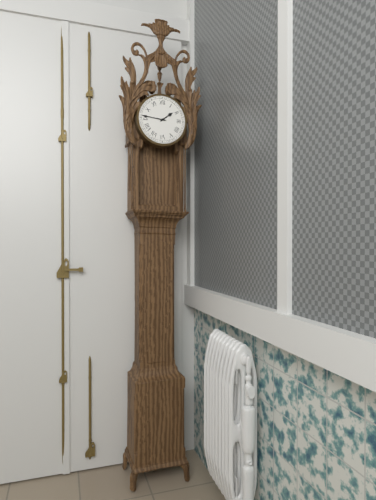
1.46
